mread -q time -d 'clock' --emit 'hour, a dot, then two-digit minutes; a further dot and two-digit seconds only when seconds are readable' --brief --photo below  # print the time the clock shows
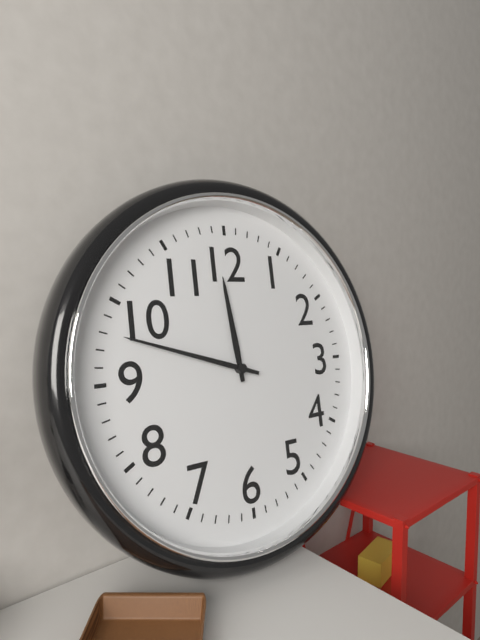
11.48
